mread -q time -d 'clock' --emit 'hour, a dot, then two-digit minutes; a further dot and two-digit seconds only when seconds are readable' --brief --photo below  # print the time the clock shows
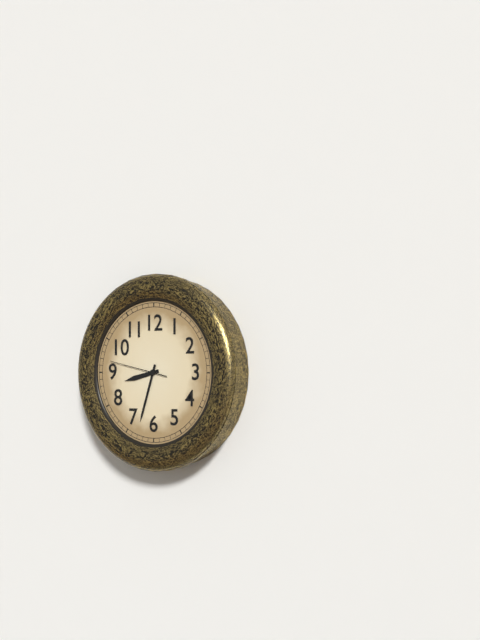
8.33.47
